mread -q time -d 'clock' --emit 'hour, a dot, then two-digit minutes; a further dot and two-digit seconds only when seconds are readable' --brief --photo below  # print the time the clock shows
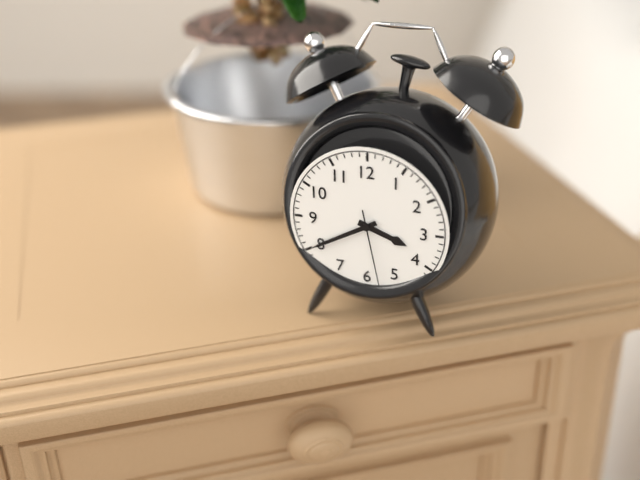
3.40.28
